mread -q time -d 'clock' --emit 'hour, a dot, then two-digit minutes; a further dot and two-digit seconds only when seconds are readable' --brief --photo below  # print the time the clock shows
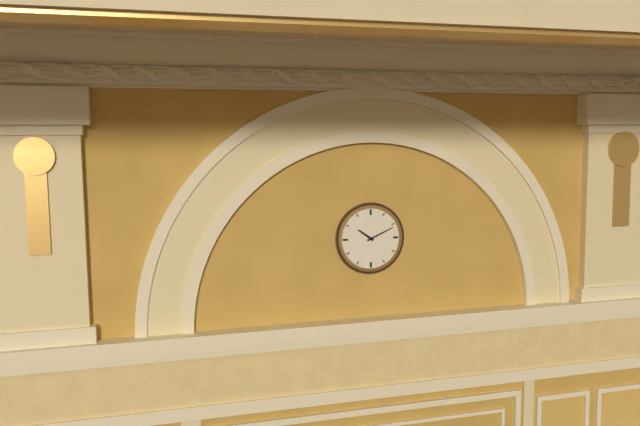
10.11
